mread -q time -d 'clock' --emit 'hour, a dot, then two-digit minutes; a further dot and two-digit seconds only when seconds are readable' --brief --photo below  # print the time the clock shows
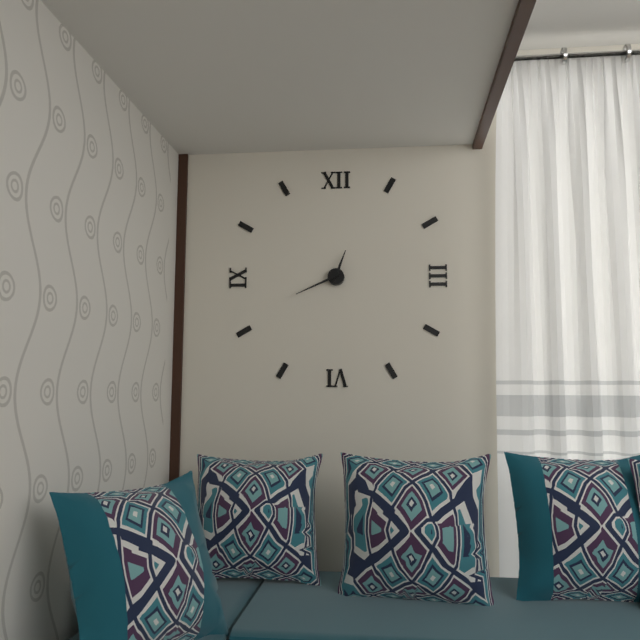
12.41
